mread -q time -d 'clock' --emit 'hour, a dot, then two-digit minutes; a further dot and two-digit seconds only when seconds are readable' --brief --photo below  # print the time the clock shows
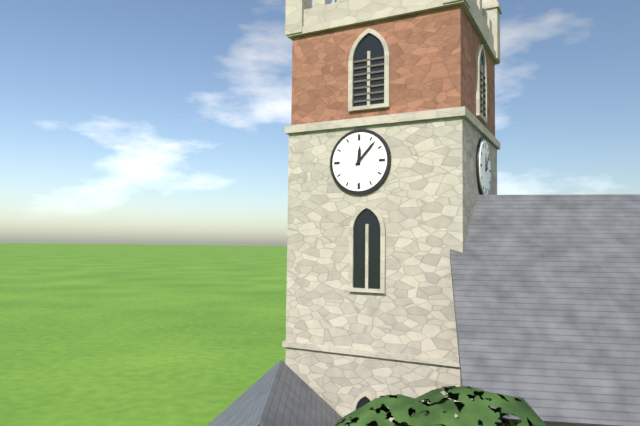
12.07
